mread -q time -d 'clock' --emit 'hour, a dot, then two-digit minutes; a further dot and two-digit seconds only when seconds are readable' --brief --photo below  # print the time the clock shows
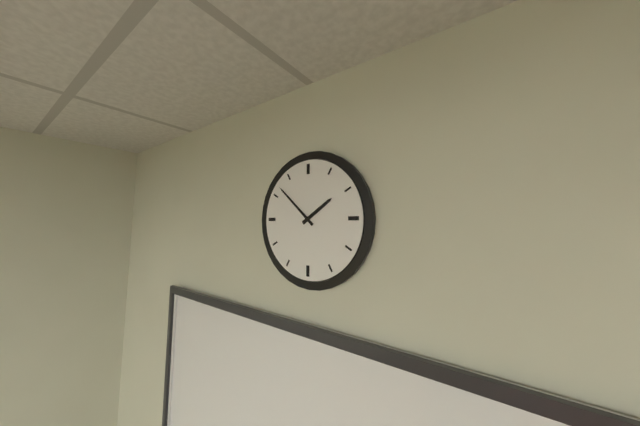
1.52
